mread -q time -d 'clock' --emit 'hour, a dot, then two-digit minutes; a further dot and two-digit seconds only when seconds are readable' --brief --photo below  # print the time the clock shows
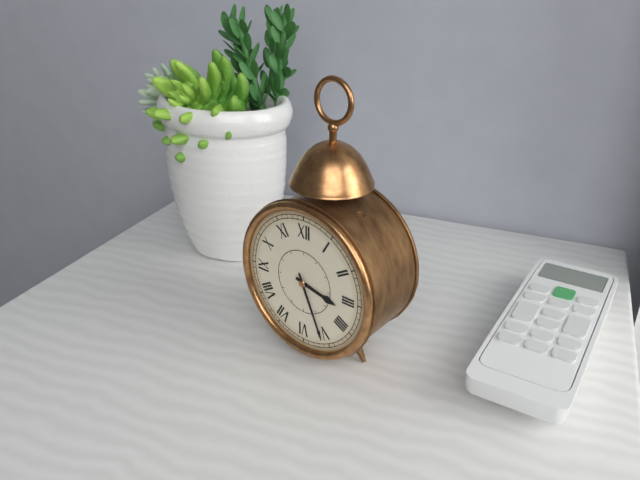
3.26
